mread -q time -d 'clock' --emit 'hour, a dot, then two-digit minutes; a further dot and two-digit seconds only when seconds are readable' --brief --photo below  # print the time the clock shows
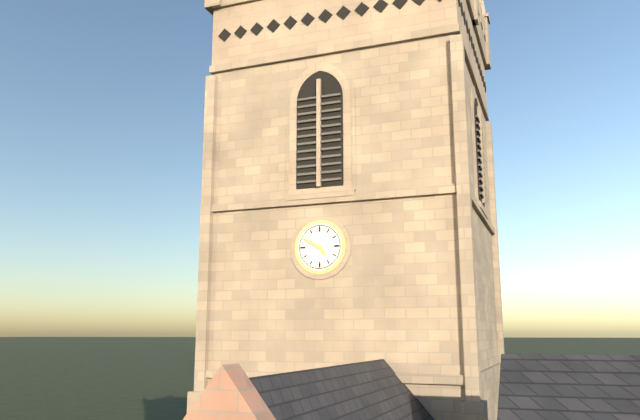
4.50
